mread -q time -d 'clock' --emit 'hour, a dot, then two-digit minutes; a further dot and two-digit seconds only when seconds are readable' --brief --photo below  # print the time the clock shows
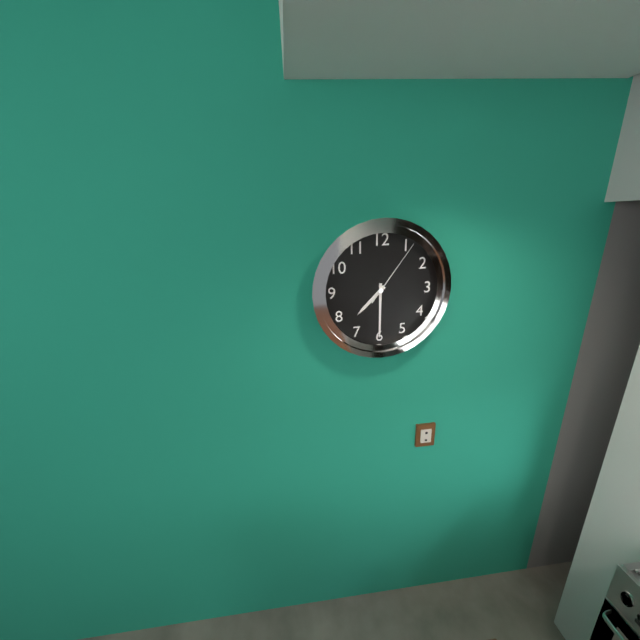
7.30.06
